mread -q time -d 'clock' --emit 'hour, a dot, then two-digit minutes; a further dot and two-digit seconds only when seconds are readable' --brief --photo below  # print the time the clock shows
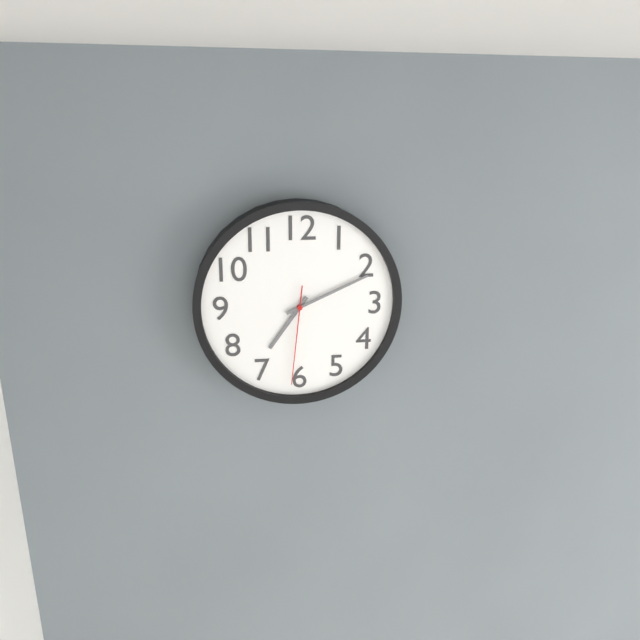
7.11.31
